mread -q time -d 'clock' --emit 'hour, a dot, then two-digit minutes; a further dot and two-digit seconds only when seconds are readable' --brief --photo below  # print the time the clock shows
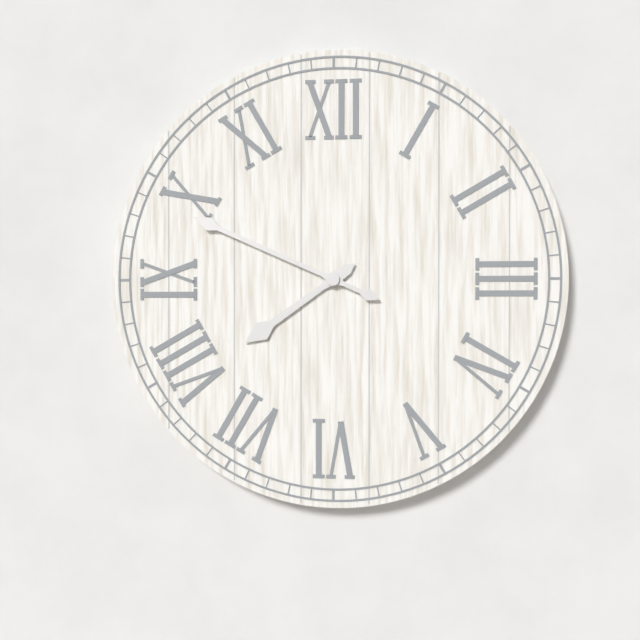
7.49
